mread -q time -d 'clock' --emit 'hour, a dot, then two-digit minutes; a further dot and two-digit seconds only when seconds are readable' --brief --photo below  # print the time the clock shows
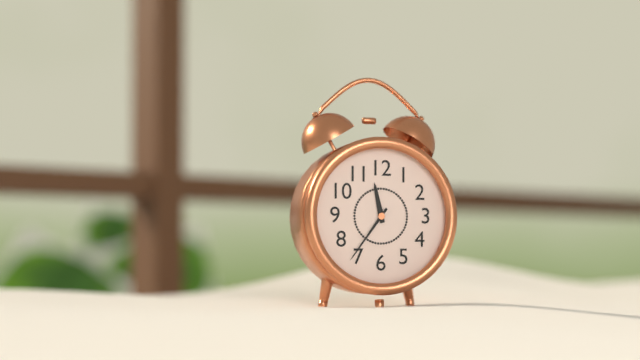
11.36
